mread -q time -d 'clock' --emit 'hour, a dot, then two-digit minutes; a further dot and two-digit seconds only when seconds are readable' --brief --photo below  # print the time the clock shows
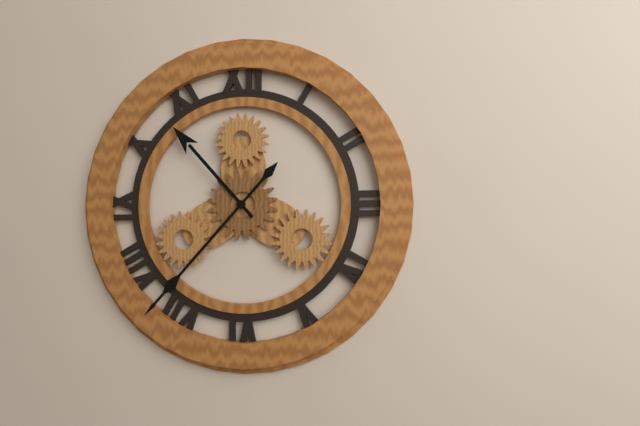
10.37
